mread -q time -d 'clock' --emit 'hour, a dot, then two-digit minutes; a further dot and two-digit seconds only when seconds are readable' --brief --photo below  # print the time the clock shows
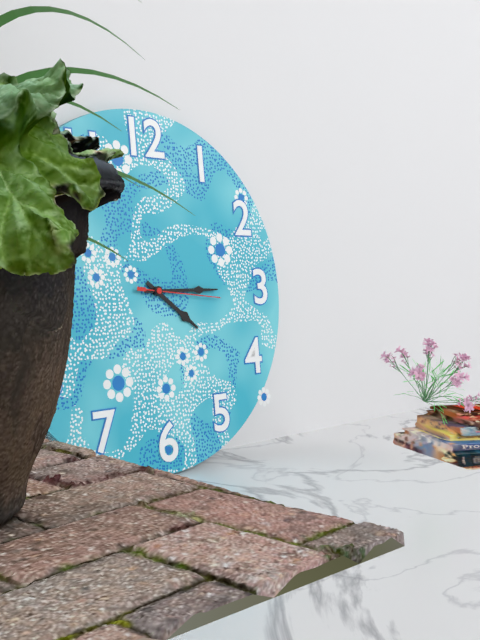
4.15.16
